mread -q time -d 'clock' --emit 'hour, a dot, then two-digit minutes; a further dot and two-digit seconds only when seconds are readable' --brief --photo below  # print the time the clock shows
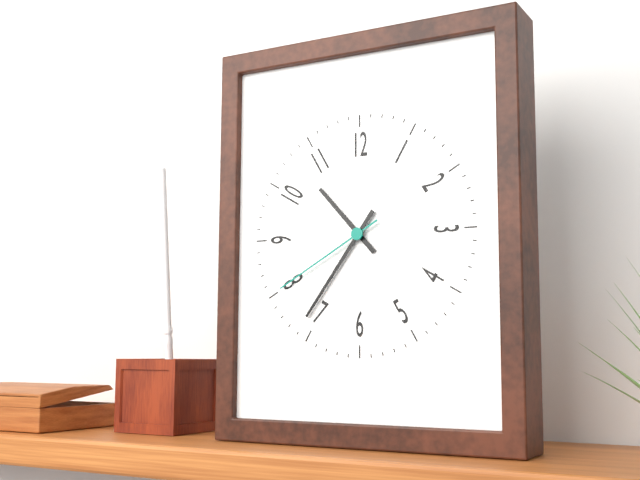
10.36.40
